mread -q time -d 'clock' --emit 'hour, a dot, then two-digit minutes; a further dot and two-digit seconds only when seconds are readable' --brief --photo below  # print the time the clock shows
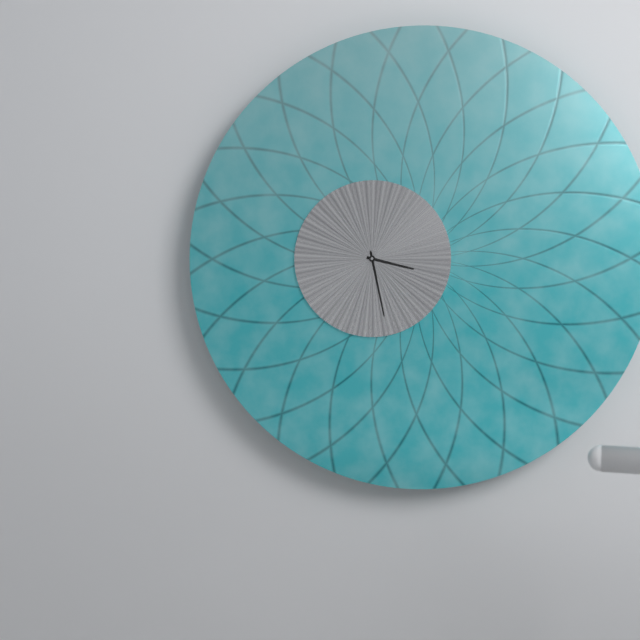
3.28
